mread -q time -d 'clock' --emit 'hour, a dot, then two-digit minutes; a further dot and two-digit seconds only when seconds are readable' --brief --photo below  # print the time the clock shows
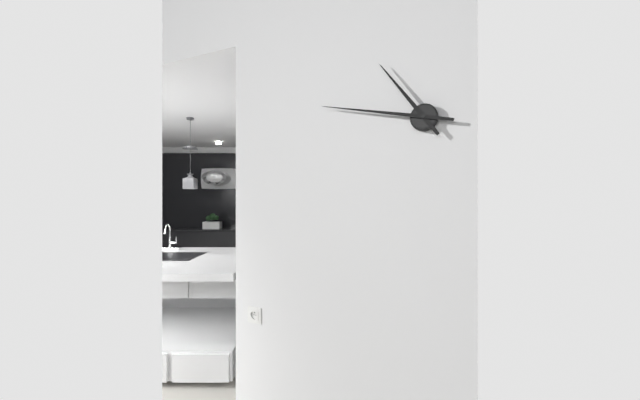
10.47
